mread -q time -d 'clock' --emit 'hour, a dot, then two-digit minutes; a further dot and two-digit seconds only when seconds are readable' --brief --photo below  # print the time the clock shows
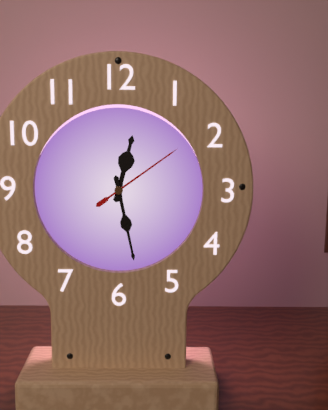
12.28.09
